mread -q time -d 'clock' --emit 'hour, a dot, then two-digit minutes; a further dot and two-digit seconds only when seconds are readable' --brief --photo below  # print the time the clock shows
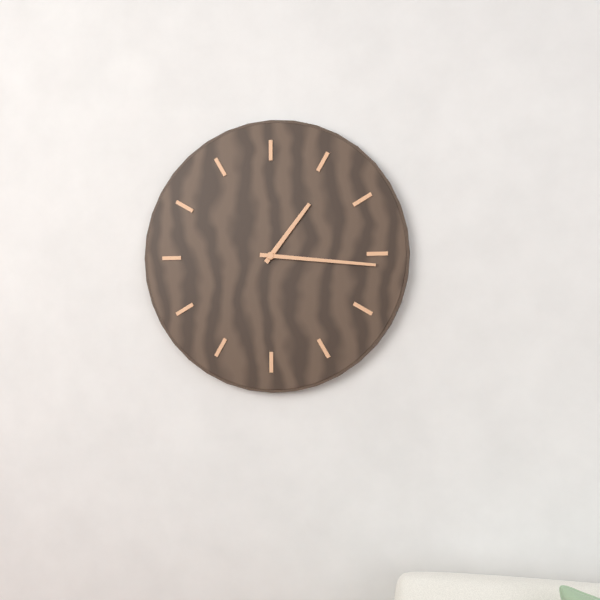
1.16
